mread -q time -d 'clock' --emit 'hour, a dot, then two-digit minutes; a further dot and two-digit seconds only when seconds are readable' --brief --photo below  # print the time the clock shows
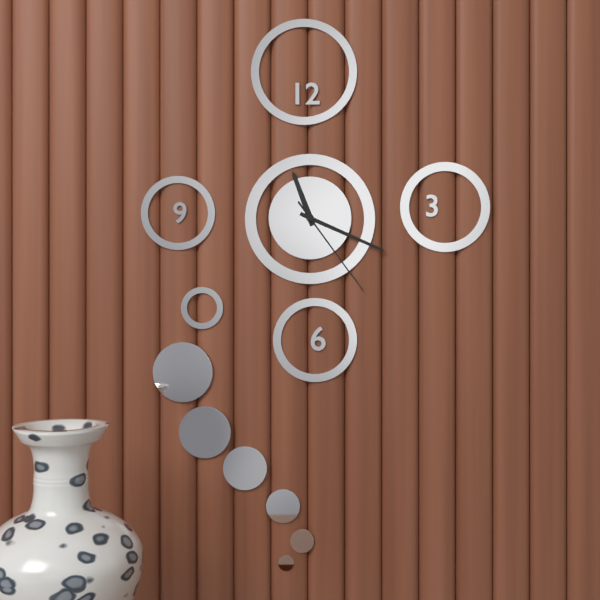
11.19.24
